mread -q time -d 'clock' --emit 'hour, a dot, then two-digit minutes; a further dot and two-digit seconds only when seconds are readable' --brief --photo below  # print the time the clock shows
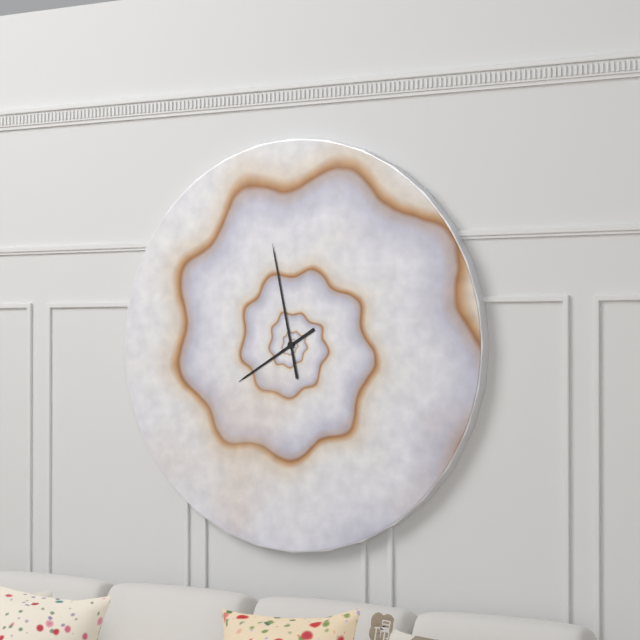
7.58
